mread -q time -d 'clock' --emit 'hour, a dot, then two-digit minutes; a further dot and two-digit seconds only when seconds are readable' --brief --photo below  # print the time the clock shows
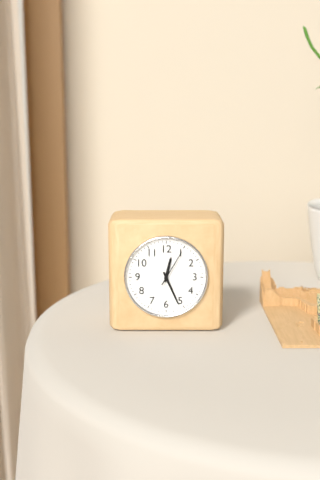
12.26
